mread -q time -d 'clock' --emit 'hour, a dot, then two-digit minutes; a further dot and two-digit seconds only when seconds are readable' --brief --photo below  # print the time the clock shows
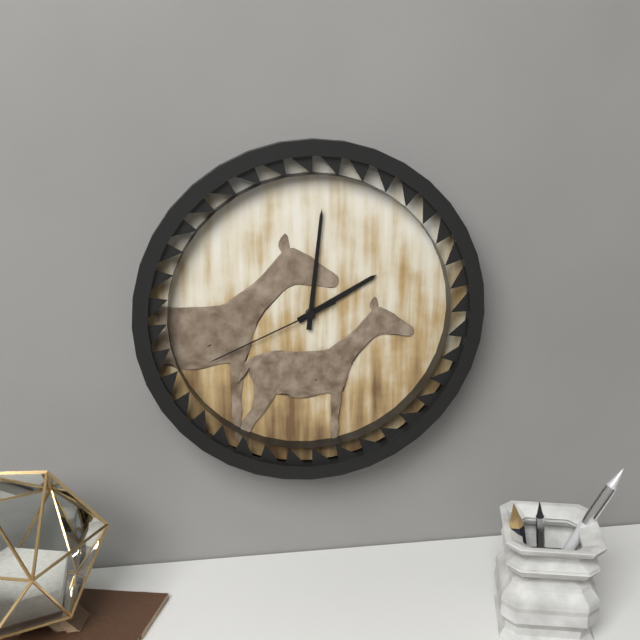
2.01.41
